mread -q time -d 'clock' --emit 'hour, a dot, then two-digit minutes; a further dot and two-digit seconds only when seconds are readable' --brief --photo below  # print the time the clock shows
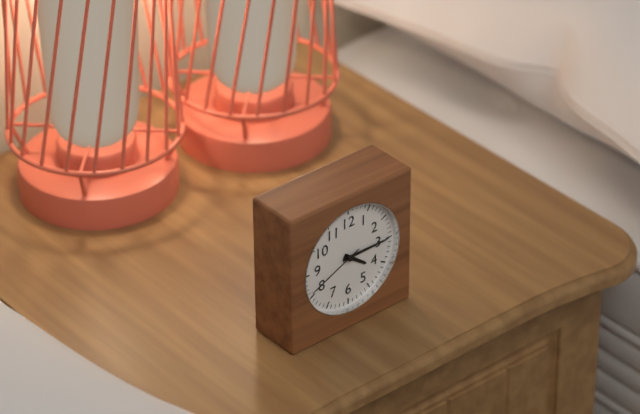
4.15.41
